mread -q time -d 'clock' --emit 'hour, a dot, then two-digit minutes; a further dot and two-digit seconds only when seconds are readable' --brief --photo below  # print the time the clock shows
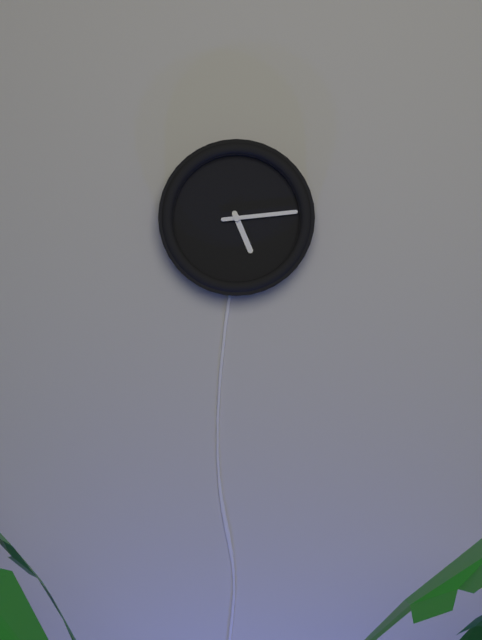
5.14
